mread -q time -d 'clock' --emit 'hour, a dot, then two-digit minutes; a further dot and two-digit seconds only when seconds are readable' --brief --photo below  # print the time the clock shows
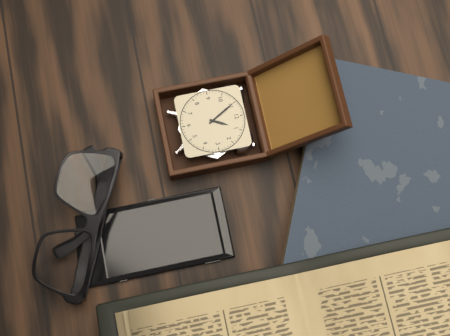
12.55
